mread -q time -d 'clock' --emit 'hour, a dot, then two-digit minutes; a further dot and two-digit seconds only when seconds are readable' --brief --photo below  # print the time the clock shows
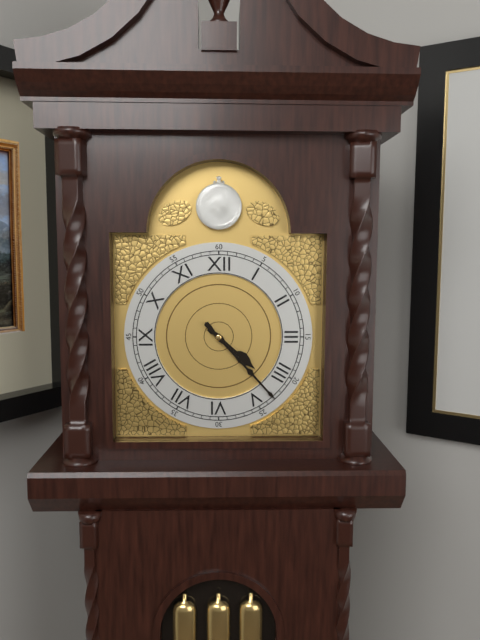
4.23
